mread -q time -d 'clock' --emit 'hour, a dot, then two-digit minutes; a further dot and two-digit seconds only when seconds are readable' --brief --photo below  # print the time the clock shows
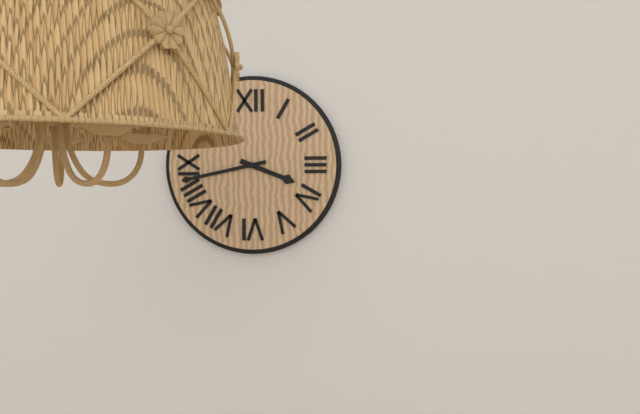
3.43
